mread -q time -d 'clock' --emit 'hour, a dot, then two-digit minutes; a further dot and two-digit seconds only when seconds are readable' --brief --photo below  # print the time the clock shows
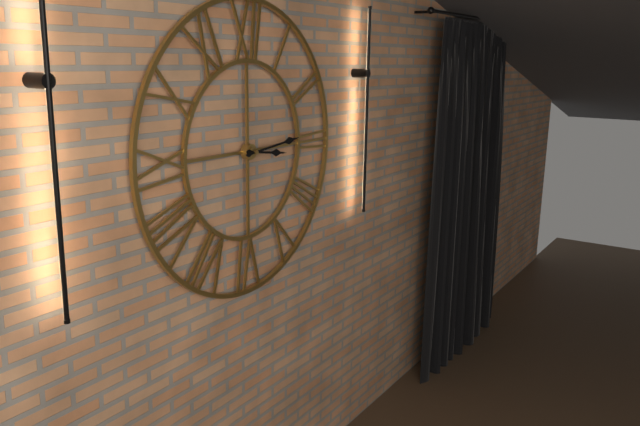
3.14
